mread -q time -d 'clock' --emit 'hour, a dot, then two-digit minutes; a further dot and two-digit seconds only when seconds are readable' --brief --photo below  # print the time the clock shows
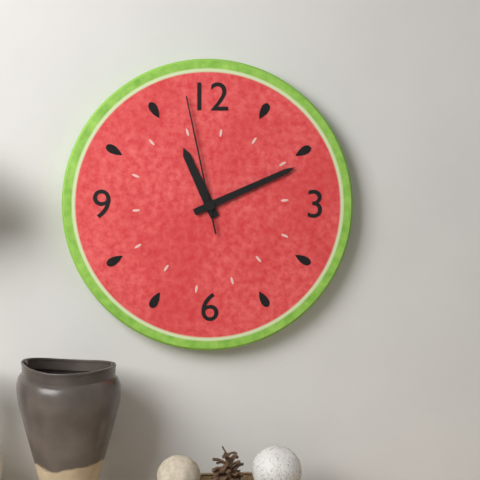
11.11.58
